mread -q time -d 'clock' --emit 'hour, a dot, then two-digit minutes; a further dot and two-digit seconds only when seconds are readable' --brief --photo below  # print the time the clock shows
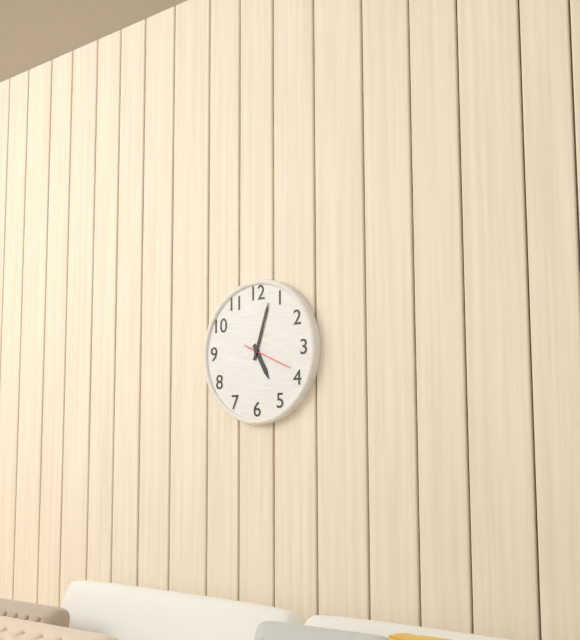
5.03
